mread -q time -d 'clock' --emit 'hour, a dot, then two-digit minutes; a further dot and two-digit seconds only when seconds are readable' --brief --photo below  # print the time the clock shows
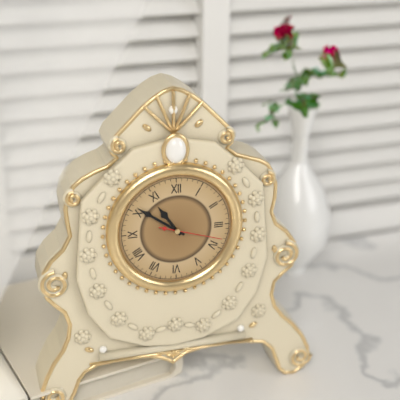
10.51.18
